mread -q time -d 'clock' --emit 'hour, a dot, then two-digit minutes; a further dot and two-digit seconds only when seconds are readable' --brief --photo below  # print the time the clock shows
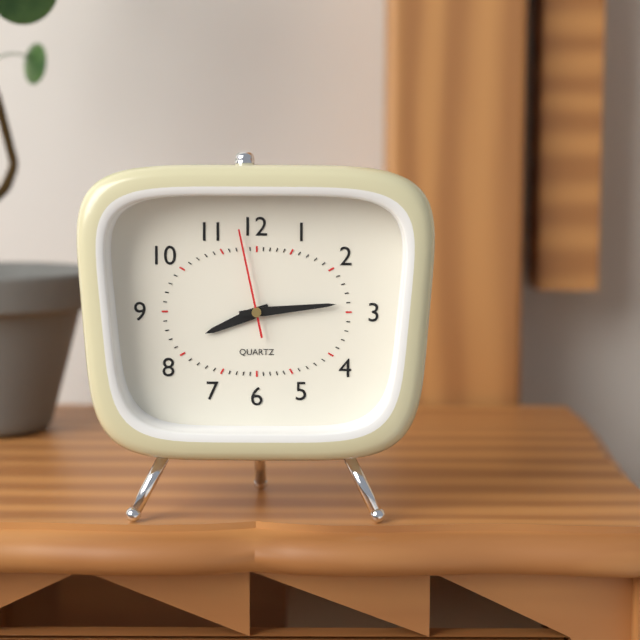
8.14.58
